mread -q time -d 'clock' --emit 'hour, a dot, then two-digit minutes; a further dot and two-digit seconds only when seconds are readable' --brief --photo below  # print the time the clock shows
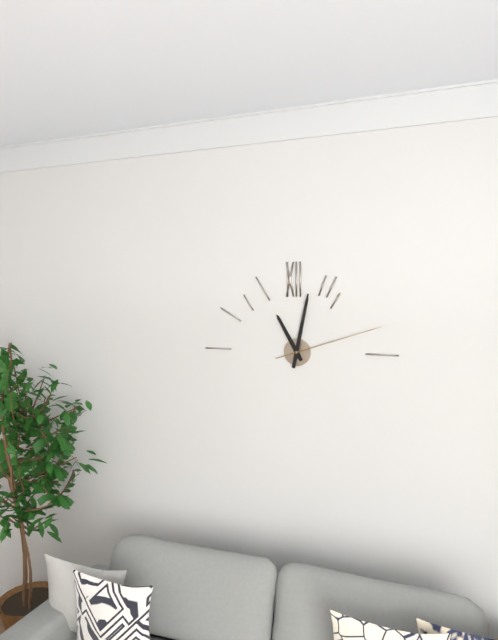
11.02.12
